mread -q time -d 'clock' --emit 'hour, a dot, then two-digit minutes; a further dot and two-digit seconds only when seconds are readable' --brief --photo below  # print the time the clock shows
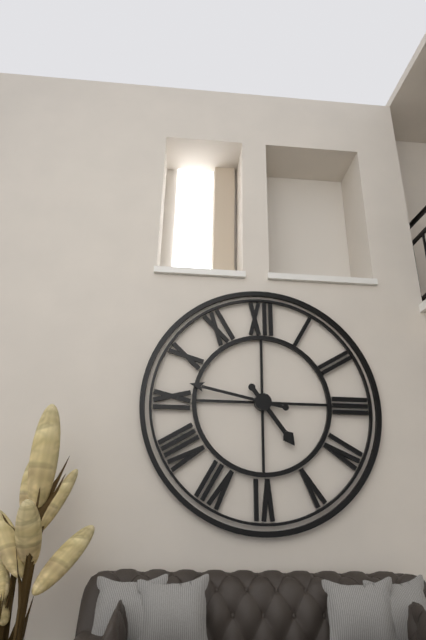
4.47
